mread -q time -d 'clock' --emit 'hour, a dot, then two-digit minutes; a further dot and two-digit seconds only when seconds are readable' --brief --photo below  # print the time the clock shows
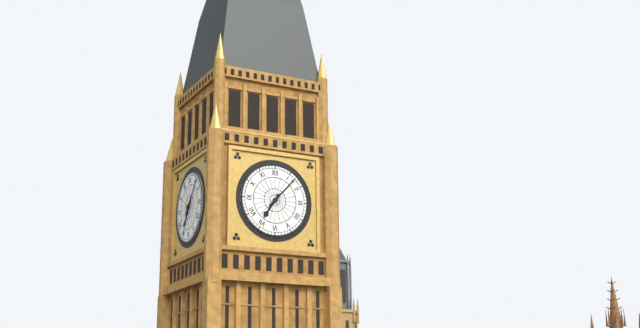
7.07
